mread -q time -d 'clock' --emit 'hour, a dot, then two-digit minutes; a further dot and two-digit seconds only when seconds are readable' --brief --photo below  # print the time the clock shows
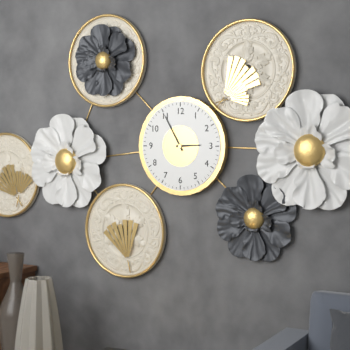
2.55
